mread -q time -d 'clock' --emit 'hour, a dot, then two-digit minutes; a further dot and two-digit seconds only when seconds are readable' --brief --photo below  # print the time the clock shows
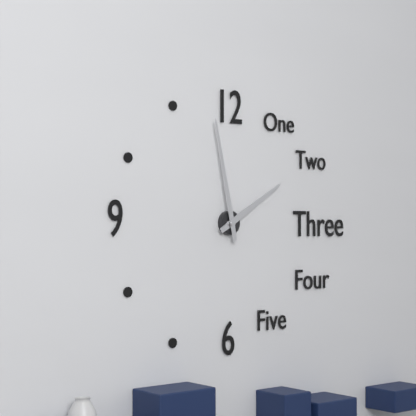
1.58
